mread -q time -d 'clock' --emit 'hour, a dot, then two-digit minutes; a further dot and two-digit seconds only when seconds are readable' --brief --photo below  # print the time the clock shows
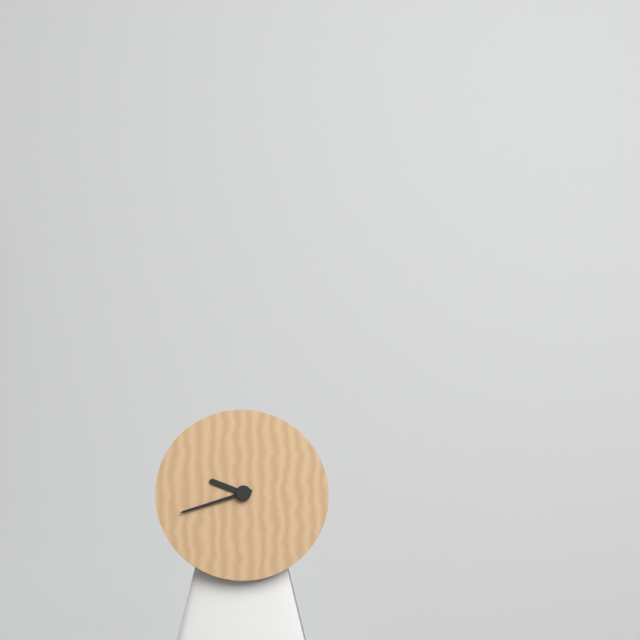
9.42
